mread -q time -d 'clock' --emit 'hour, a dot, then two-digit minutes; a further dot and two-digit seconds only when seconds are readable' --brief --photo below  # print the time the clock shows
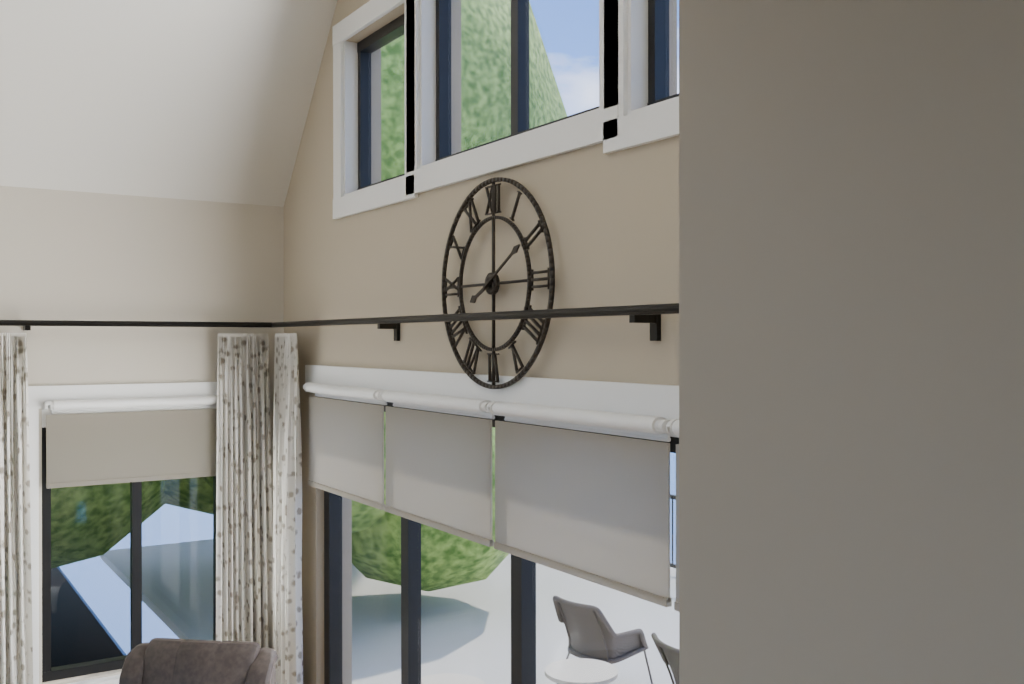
8.10
